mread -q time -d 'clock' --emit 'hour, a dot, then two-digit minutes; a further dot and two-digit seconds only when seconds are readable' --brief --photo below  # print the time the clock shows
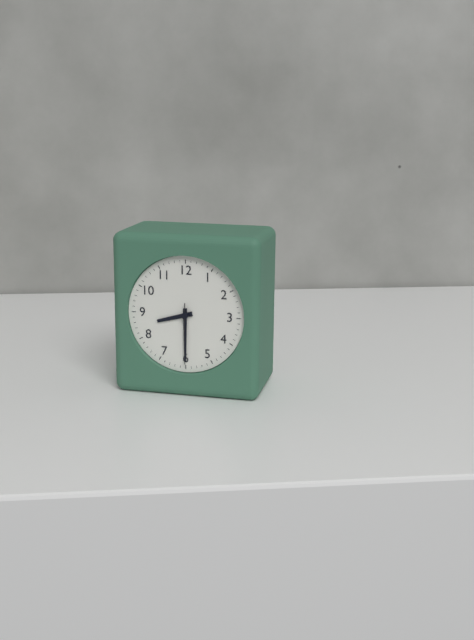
8.30.30
